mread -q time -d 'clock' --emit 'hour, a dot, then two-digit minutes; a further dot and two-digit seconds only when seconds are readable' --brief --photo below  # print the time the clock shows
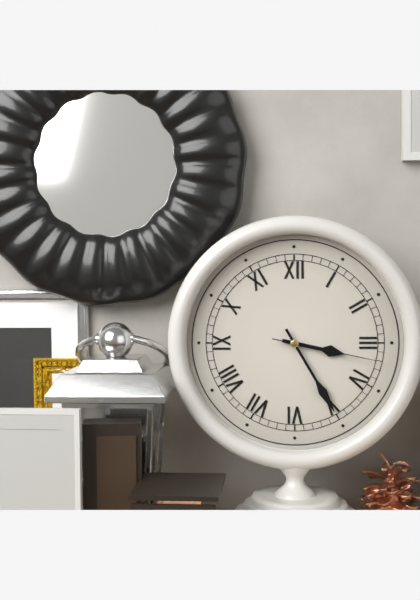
3.25.17
